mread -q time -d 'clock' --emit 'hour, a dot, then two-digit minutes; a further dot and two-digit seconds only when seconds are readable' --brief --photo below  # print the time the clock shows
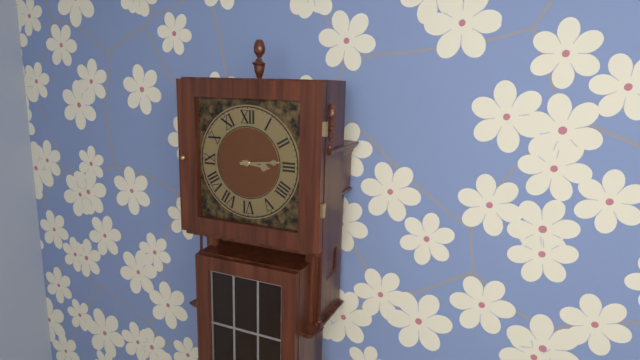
3.14
